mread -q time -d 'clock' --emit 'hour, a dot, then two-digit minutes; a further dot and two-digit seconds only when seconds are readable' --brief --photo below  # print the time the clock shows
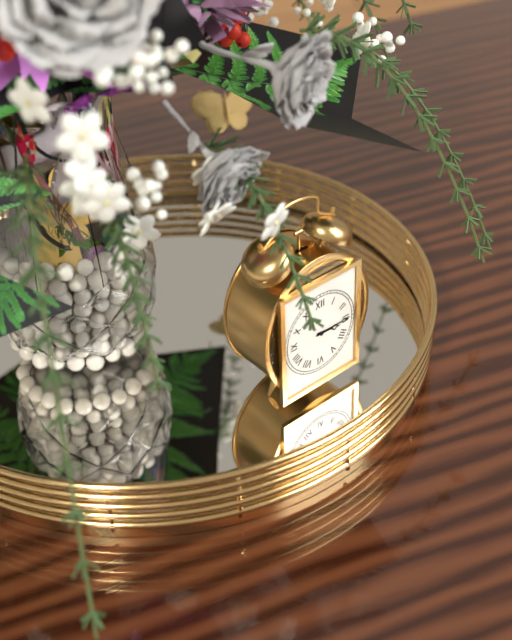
3.15
